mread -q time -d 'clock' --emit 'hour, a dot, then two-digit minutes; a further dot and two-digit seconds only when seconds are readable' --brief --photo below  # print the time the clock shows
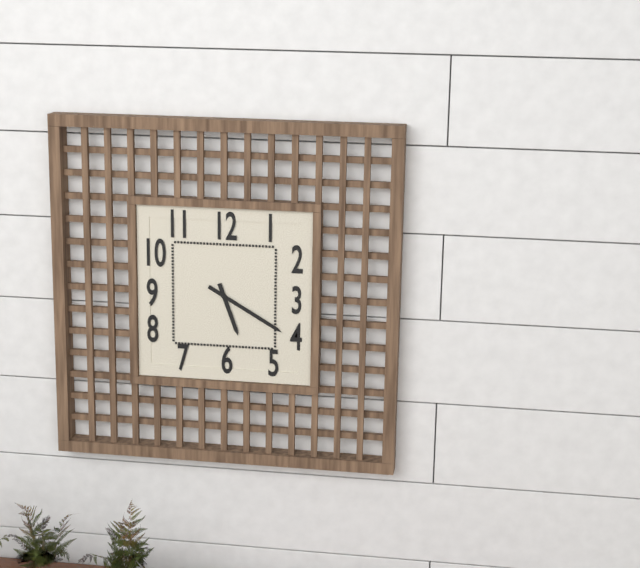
5.20
